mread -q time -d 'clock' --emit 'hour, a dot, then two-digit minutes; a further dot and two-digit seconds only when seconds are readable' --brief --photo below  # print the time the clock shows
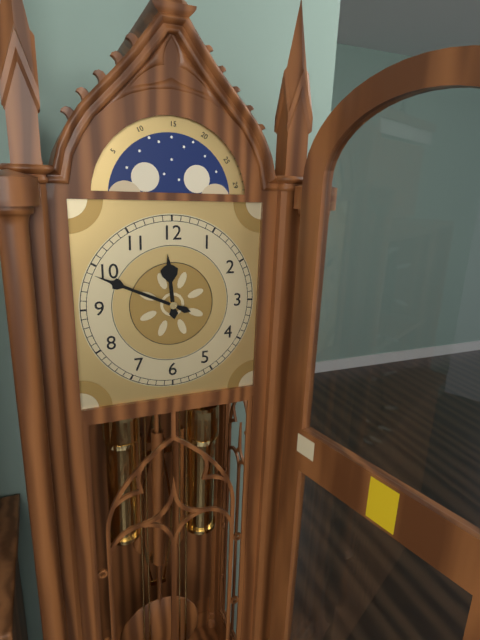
11.49
